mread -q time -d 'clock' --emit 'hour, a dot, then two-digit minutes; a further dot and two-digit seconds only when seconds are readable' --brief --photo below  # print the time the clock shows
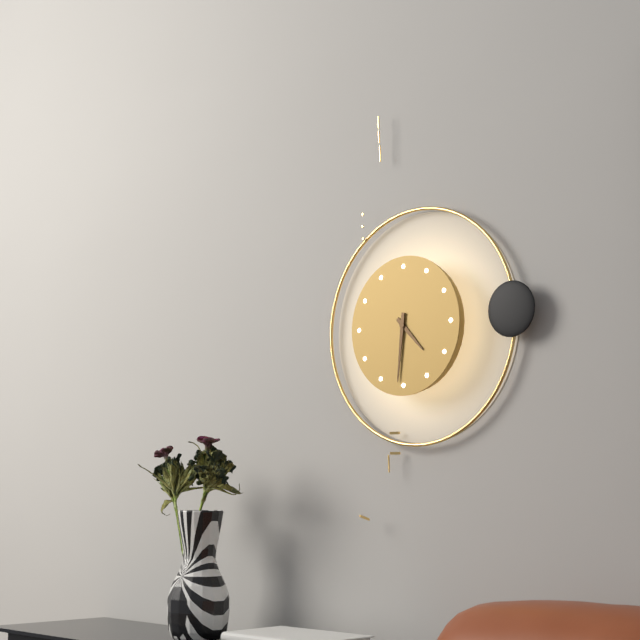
4.31
